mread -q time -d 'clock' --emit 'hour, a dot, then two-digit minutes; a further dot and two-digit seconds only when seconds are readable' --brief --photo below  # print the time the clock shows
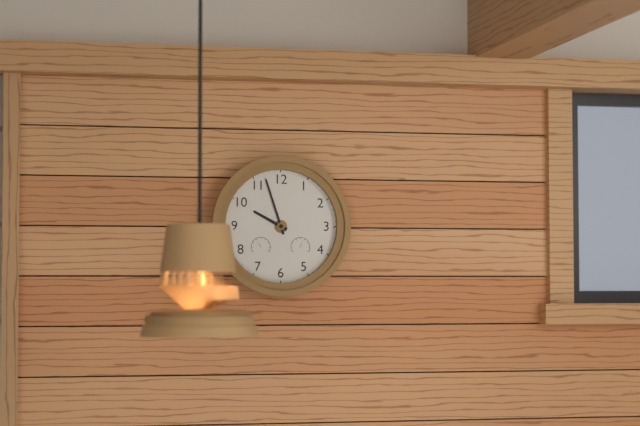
9.57
